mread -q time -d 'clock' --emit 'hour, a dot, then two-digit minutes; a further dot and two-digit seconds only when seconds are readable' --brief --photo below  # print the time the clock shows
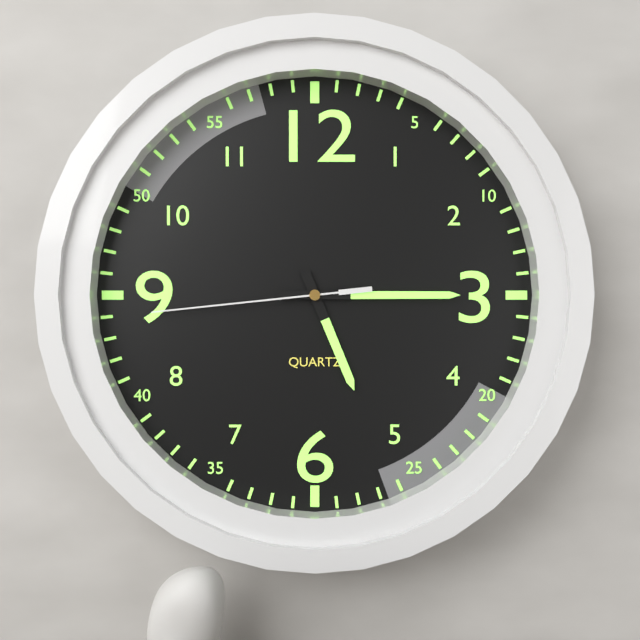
5.15.44
